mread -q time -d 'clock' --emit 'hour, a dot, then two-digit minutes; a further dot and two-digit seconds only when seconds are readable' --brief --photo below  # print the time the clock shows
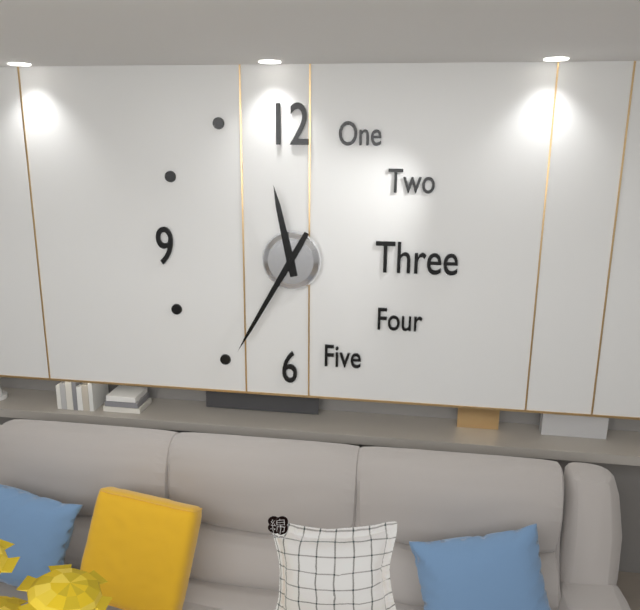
11.35
